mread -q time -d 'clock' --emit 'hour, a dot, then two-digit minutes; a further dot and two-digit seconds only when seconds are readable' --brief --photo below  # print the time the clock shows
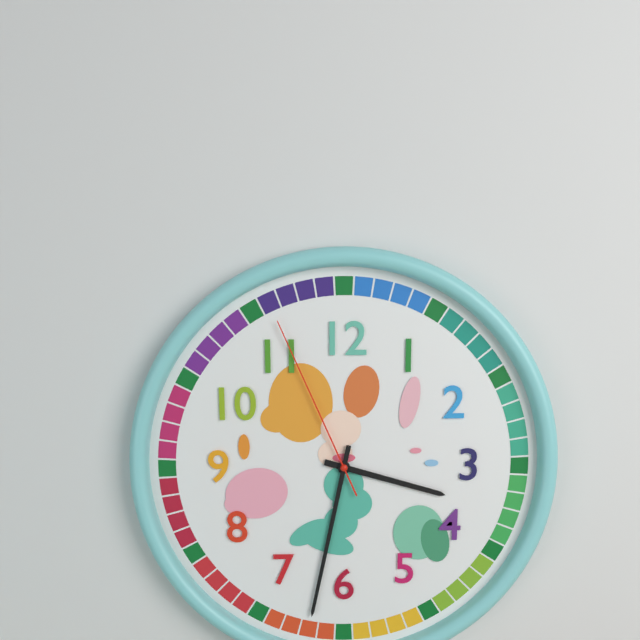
3.32.56
